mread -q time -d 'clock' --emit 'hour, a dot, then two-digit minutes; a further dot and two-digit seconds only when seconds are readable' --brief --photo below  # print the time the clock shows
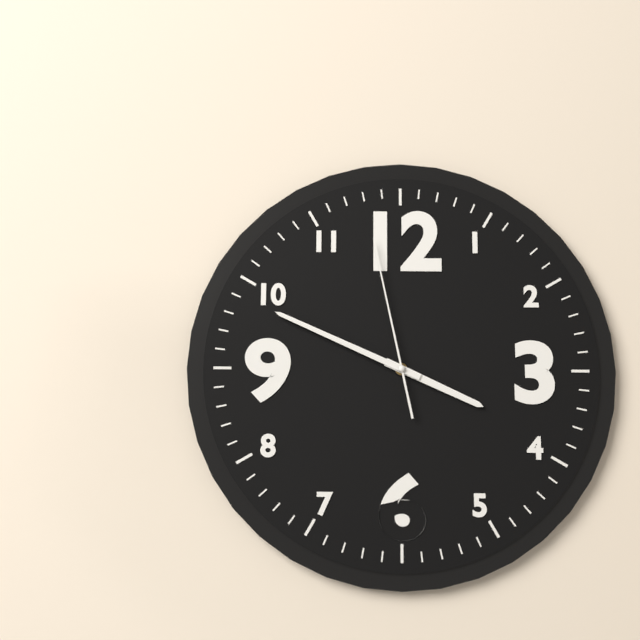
3.49.58
